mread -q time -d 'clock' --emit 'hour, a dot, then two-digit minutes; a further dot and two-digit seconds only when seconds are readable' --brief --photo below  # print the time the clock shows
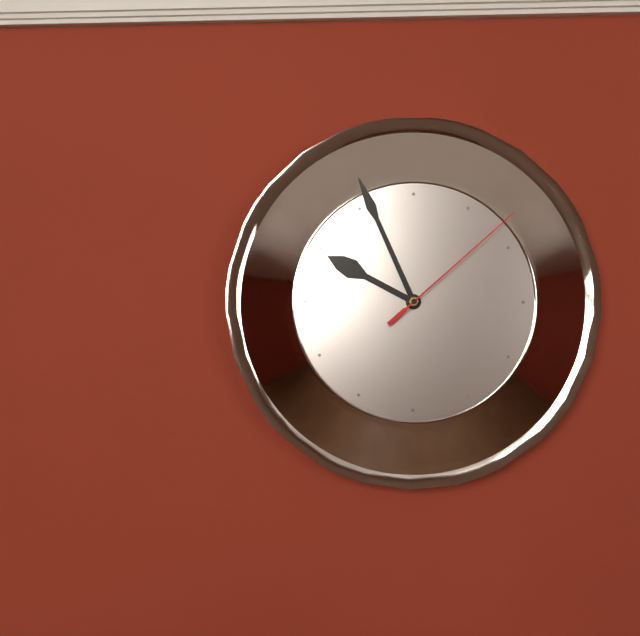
9.56.08
